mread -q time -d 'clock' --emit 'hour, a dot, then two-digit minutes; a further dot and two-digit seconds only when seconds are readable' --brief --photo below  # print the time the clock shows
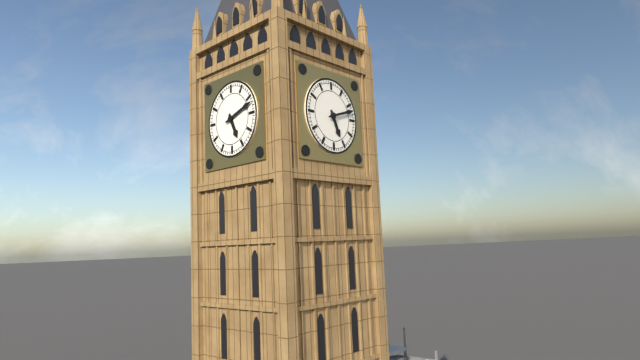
5.12
